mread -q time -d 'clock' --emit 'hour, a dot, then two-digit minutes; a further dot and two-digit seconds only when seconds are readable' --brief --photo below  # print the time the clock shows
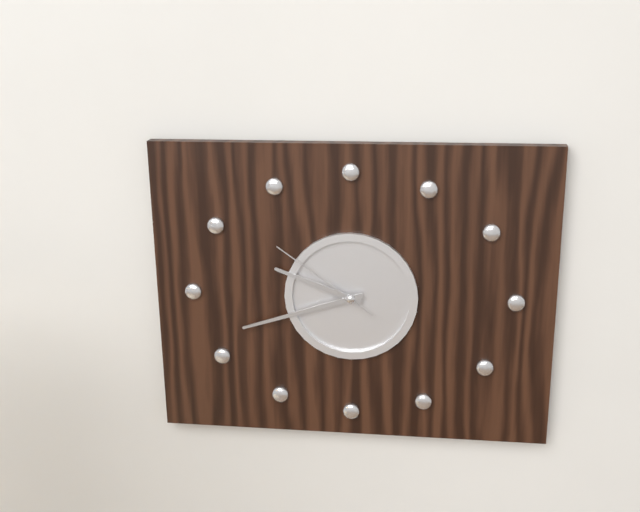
9.42.51
